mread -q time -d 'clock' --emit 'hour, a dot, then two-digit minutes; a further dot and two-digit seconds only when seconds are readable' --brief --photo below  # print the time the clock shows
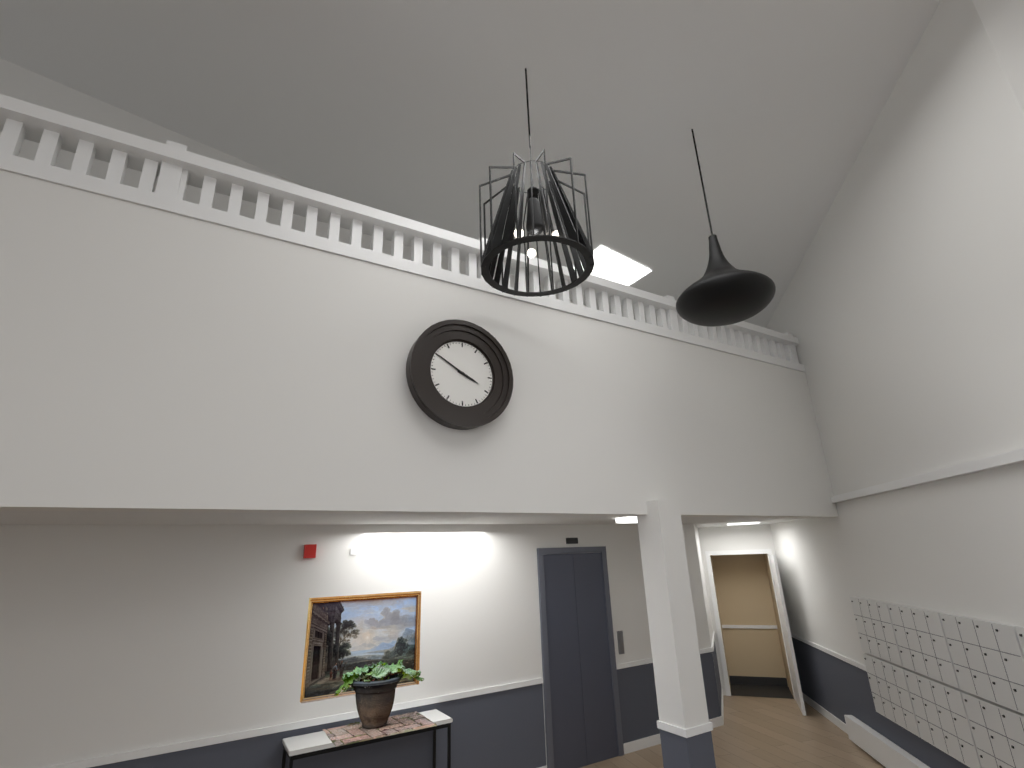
3.50
